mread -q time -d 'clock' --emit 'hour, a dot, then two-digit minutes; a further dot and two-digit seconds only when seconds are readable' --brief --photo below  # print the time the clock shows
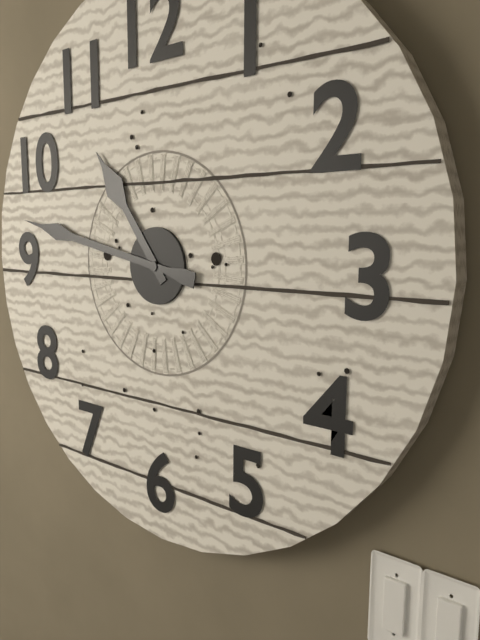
10.47
